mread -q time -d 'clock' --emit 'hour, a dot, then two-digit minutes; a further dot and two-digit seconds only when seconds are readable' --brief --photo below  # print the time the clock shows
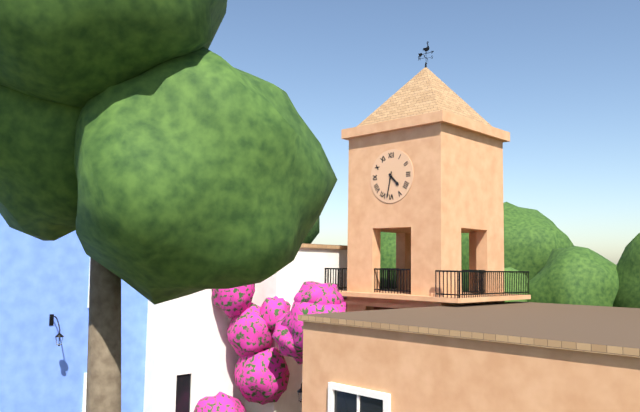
4.32
